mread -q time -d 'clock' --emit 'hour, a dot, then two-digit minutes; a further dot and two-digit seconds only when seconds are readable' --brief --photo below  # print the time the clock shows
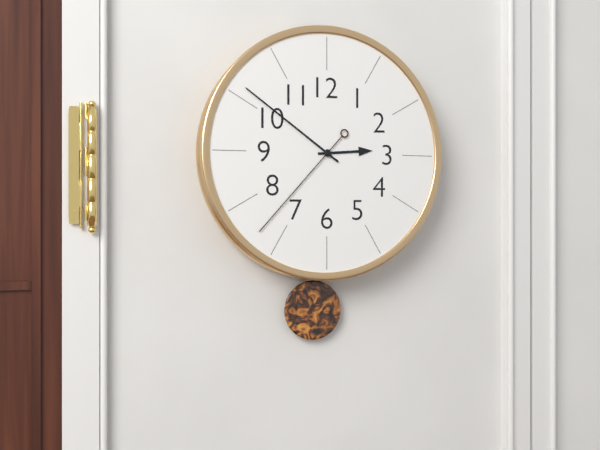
2.51.37
